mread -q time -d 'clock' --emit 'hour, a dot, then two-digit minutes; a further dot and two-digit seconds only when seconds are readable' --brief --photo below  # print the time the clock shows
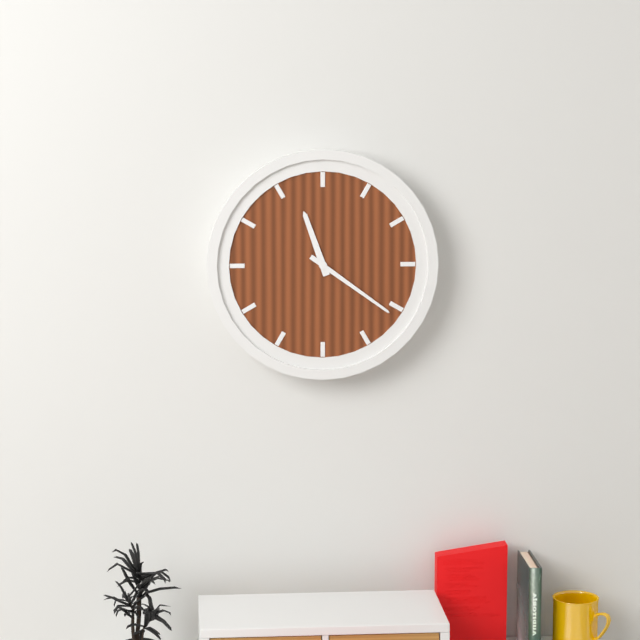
11.21
